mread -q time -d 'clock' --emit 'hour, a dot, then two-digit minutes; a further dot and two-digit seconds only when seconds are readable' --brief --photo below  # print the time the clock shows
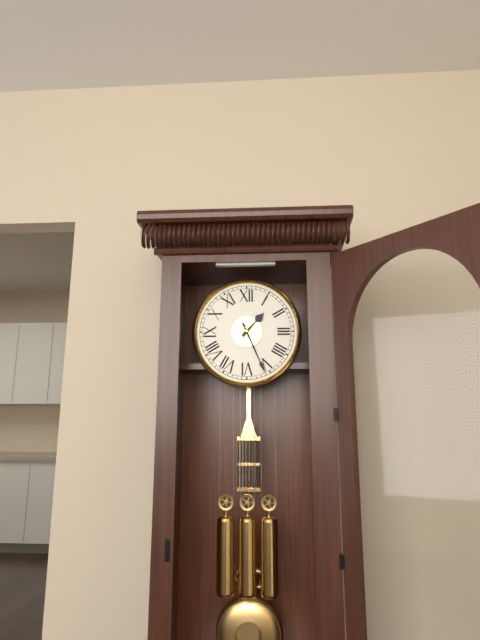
1.26
